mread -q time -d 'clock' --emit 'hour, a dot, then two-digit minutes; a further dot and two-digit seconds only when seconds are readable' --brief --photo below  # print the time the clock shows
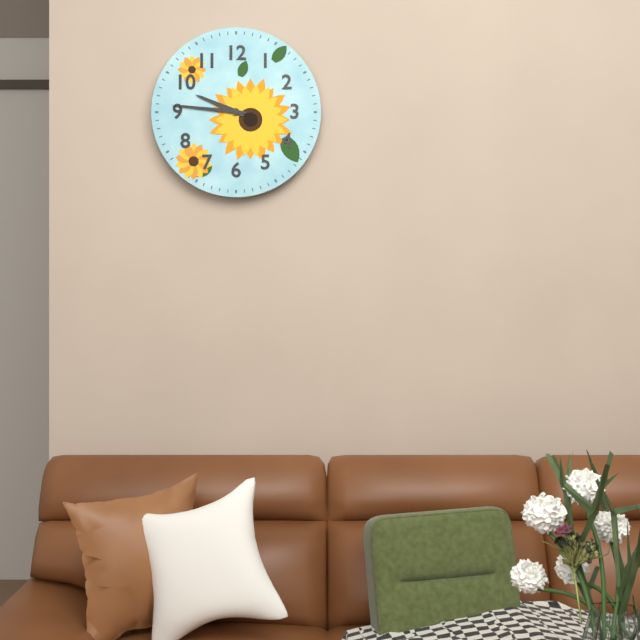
9.46
